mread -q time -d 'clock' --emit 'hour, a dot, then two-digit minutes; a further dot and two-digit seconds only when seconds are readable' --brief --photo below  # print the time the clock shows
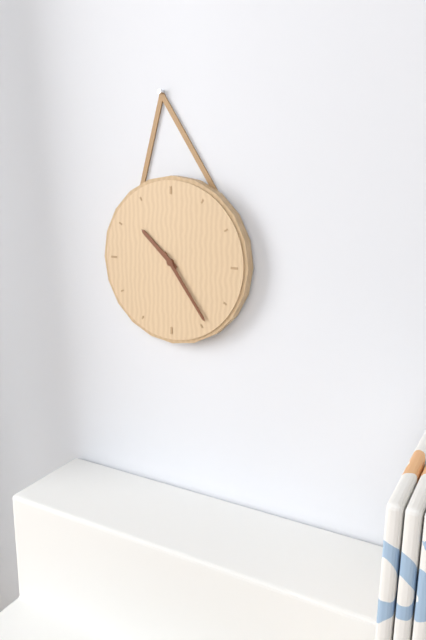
10.24
